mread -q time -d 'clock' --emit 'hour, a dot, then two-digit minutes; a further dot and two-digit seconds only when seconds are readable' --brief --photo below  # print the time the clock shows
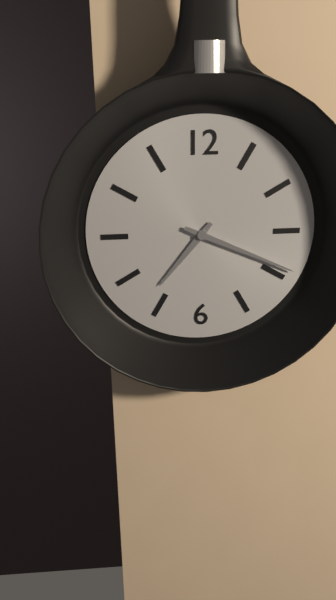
7.19
